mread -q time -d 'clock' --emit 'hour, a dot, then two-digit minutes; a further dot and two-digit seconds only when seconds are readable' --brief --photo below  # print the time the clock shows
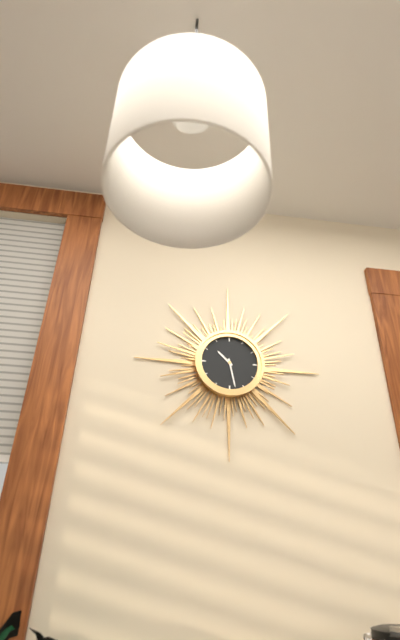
10.28
